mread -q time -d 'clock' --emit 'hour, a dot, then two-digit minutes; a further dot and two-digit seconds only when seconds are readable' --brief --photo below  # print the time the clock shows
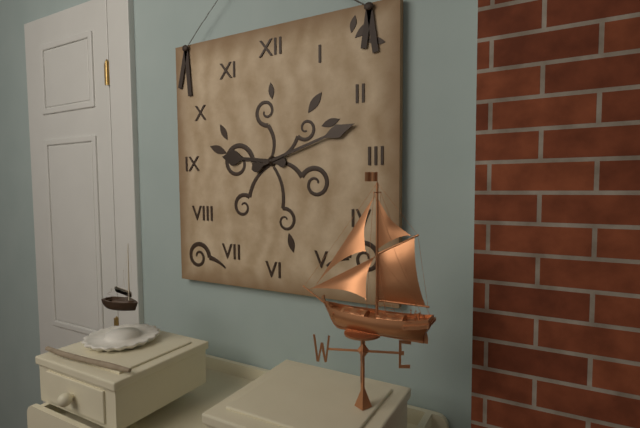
9.12
